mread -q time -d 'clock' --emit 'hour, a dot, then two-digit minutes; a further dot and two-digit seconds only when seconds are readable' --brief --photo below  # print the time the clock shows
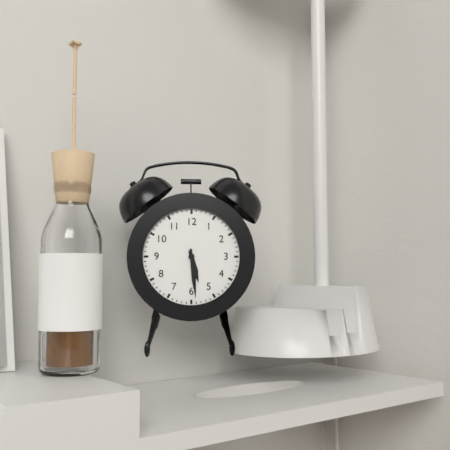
5.29
